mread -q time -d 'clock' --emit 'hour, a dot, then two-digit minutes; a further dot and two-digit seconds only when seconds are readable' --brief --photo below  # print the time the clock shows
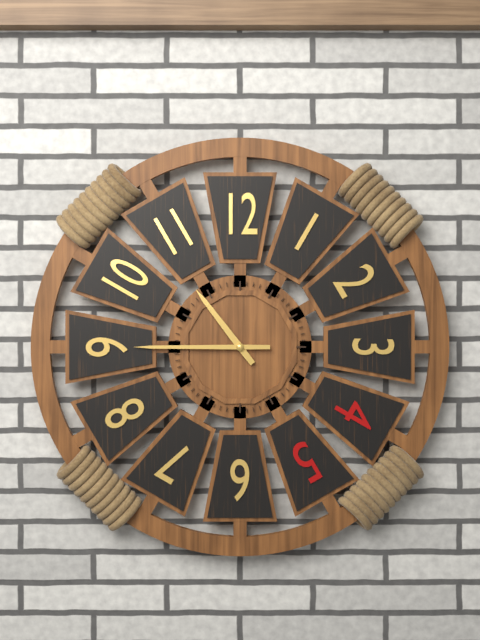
10.45
